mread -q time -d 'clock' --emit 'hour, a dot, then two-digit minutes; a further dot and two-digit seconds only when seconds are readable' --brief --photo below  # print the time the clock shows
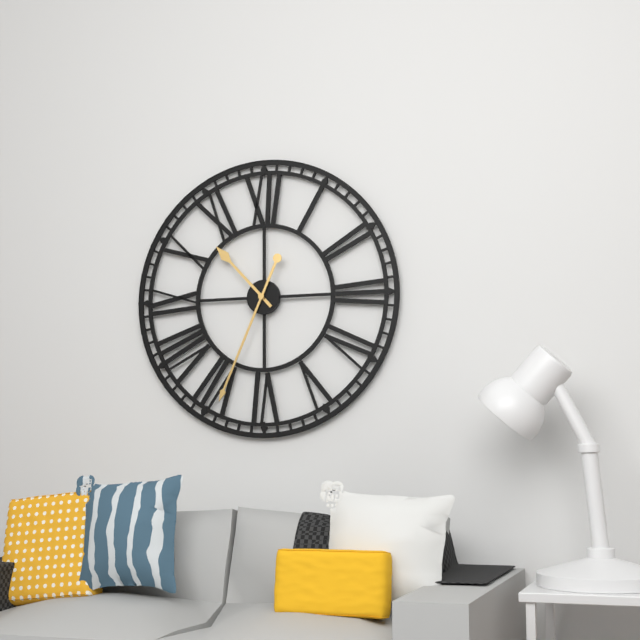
10.34
